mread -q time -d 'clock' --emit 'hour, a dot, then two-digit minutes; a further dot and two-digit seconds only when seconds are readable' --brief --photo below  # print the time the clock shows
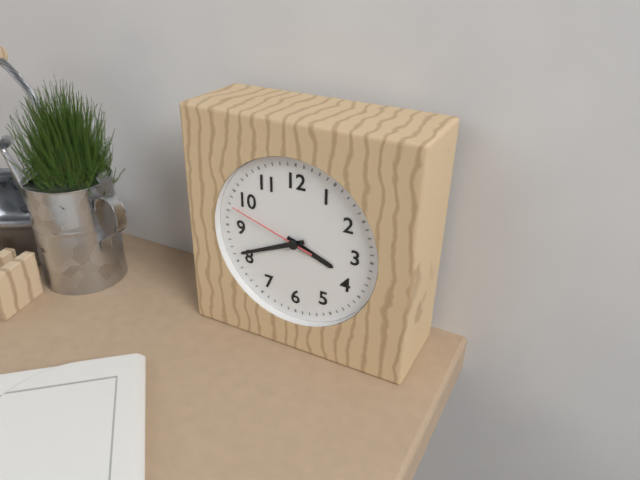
3.41.48
